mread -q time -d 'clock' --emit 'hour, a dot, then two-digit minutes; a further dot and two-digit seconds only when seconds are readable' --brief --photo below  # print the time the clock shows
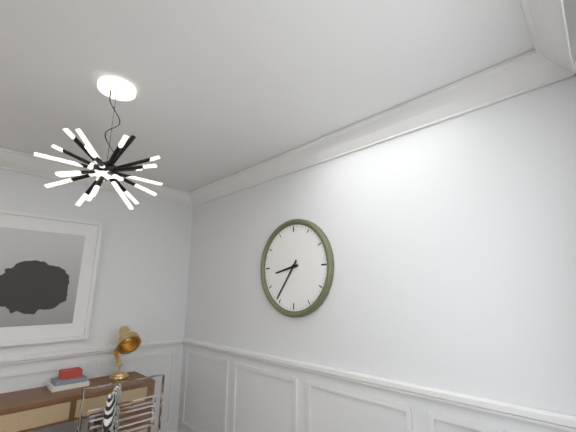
8.36
